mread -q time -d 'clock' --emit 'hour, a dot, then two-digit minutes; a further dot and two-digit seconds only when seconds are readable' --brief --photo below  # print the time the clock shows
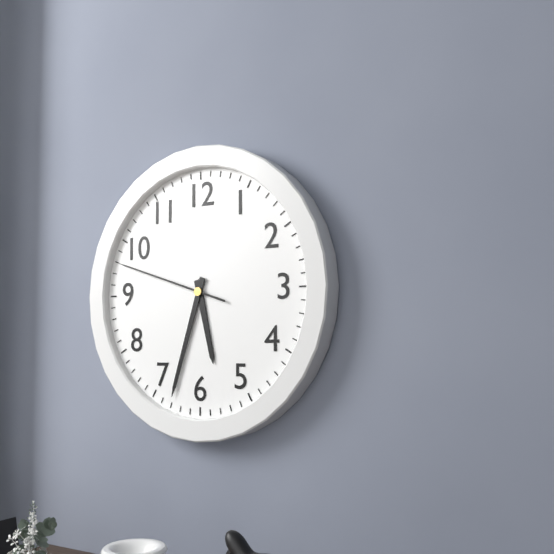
5.33.48
